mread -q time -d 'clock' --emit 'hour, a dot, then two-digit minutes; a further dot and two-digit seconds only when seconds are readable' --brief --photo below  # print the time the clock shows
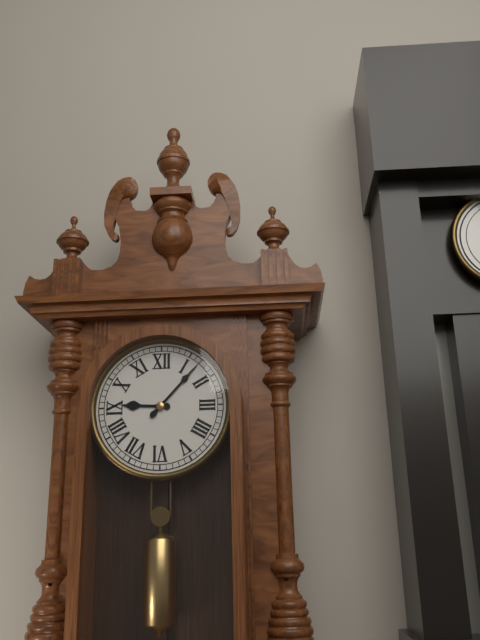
9.07
